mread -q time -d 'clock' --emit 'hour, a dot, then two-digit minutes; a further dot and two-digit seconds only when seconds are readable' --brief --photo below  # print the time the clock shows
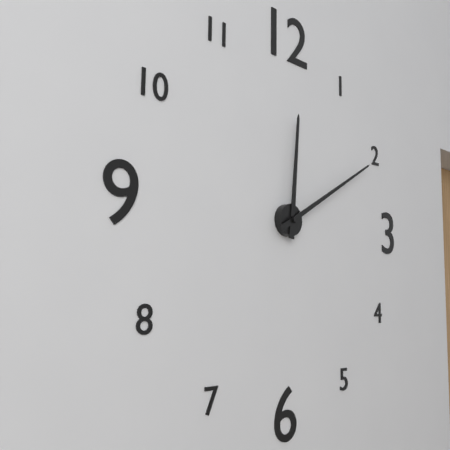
12.10
